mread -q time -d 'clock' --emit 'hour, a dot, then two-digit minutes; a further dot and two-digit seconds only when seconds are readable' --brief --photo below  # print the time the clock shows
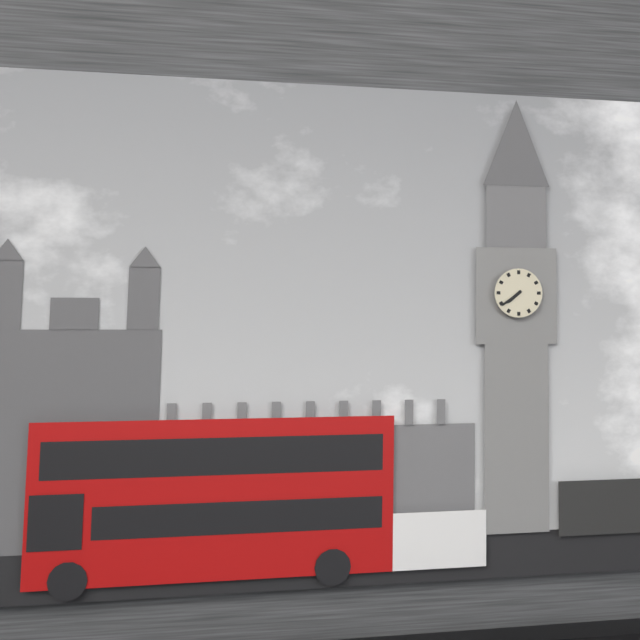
7.39
